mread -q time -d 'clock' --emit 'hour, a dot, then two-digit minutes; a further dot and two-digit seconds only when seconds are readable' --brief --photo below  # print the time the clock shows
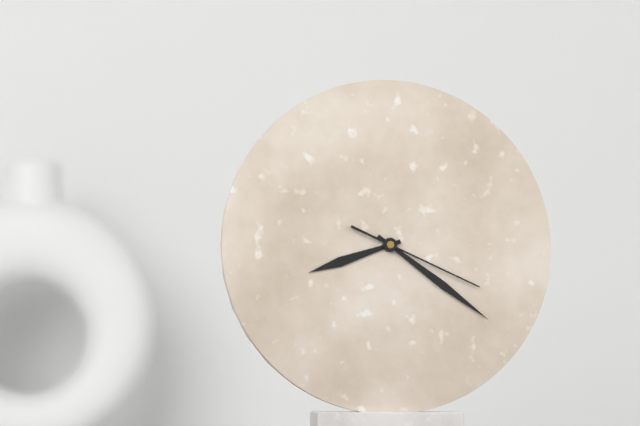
8.21.19
